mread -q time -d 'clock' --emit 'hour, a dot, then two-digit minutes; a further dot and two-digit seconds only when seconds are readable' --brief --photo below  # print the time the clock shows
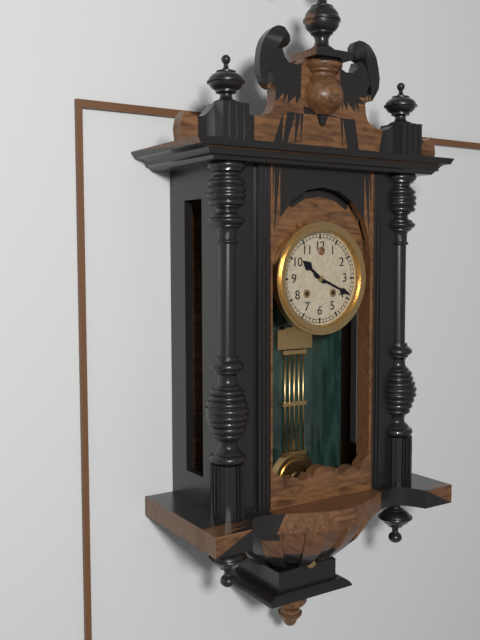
10.19
